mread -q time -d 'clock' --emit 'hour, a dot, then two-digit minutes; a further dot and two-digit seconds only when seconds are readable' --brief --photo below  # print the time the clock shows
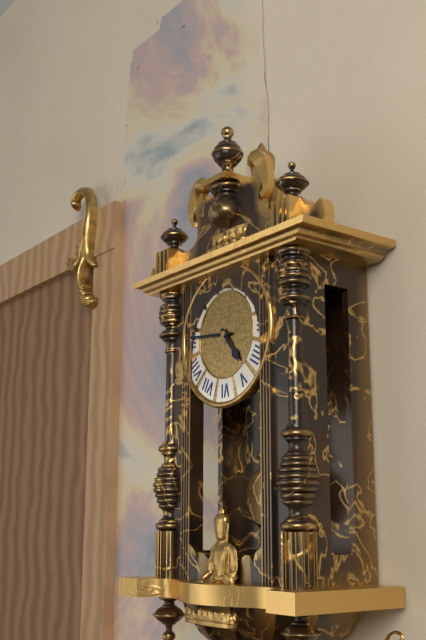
4.46
